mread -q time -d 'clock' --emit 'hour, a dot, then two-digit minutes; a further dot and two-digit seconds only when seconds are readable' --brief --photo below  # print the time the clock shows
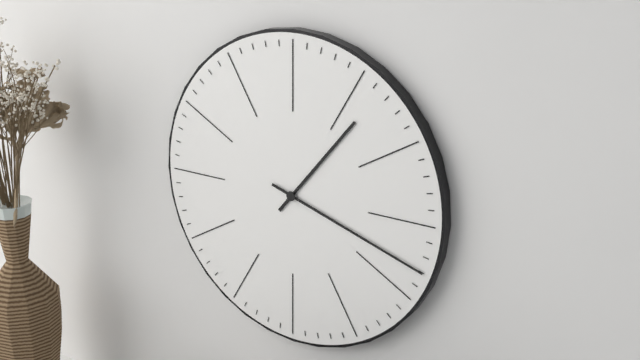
1.18
